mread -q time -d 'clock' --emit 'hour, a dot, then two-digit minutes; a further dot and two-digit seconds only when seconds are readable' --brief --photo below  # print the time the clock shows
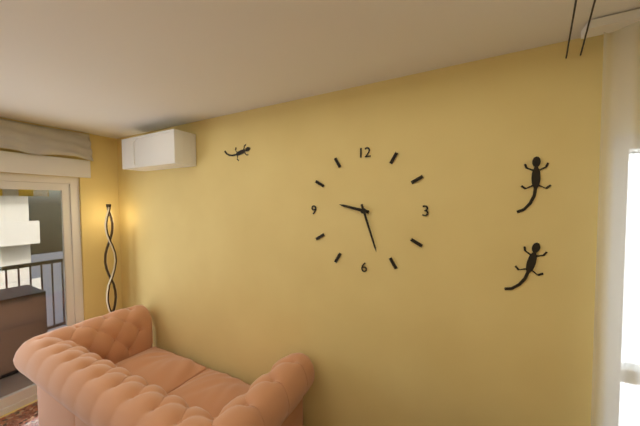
9.27
